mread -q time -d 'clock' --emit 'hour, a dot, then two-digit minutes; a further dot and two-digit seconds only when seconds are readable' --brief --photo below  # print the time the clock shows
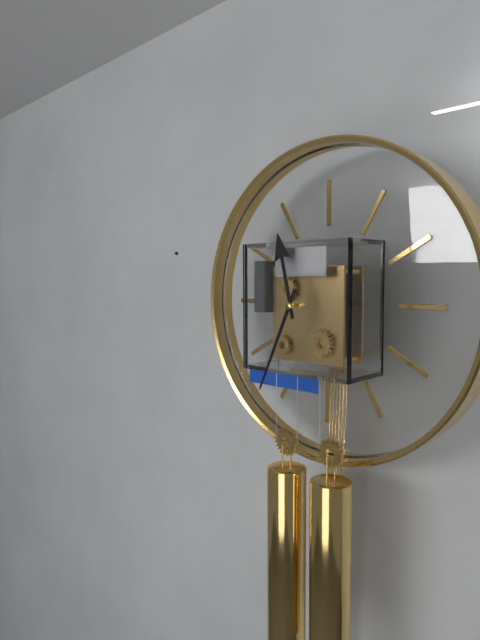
11.34
